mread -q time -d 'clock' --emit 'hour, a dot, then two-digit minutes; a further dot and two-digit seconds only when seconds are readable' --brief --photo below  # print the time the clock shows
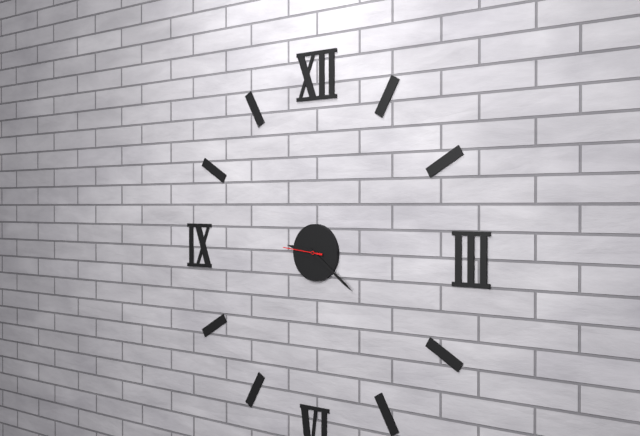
9.21
